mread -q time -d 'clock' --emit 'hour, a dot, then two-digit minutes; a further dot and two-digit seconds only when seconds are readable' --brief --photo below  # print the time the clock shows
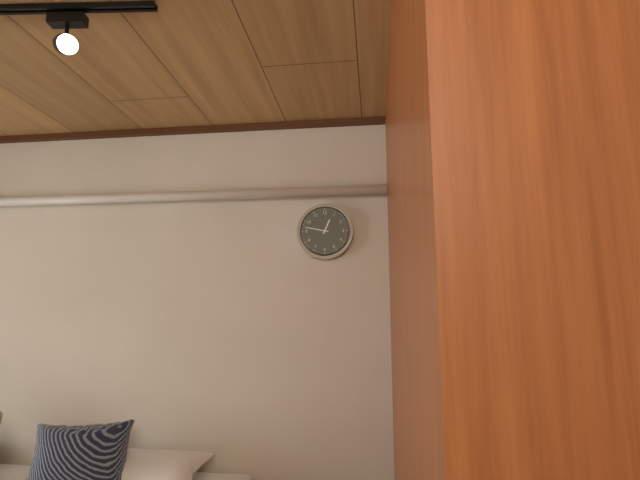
12.47
